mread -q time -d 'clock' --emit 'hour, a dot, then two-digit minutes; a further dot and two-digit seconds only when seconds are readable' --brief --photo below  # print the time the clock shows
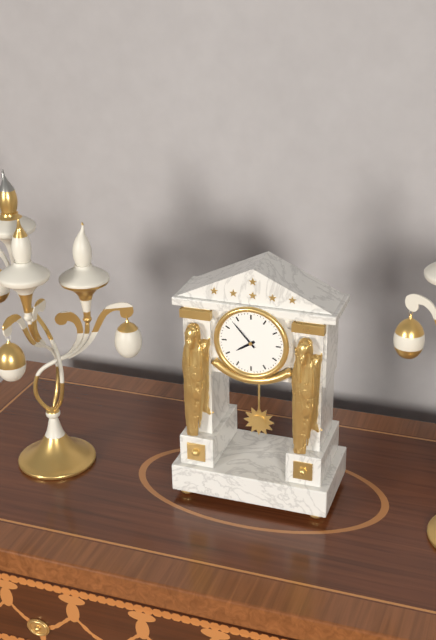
7.53
